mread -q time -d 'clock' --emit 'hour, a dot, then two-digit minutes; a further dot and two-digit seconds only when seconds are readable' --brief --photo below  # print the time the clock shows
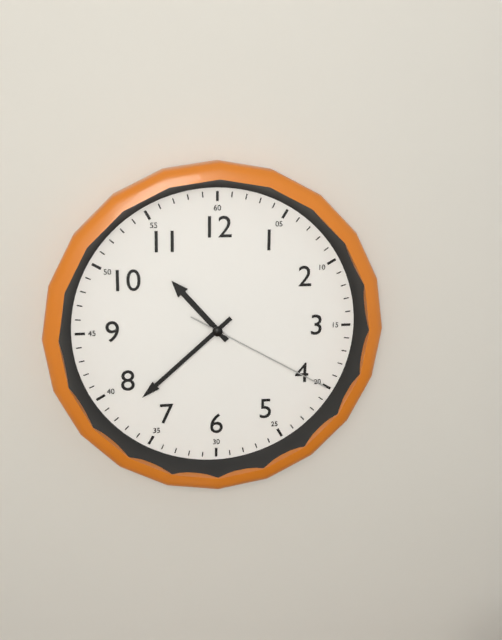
10.38.20
